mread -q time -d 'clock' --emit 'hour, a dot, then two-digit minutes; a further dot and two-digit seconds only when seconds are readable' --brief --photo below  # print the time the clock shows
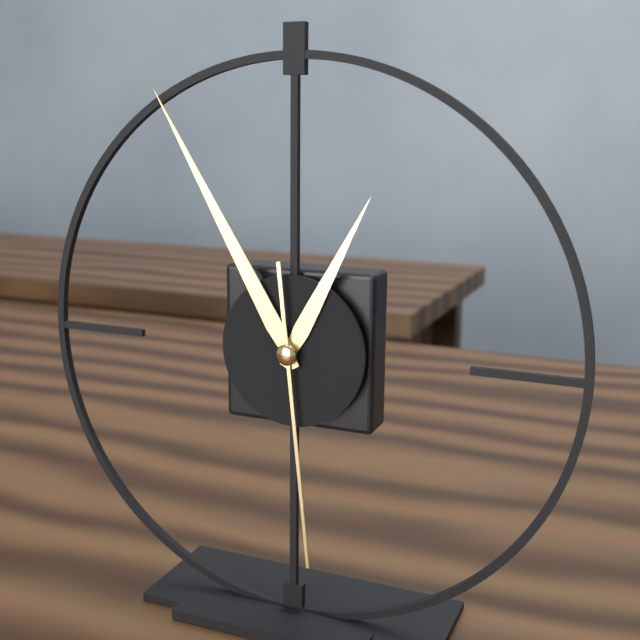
12.55.29
